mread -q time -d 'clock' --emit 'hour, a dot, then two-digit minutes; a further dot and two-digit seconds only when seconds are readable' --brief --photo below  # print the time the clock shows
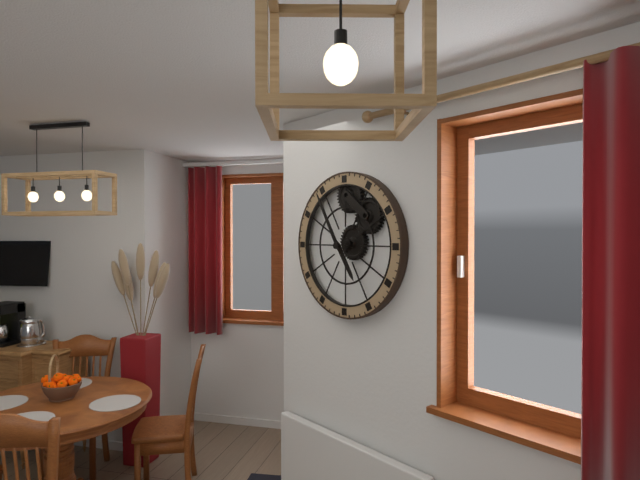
4.55
